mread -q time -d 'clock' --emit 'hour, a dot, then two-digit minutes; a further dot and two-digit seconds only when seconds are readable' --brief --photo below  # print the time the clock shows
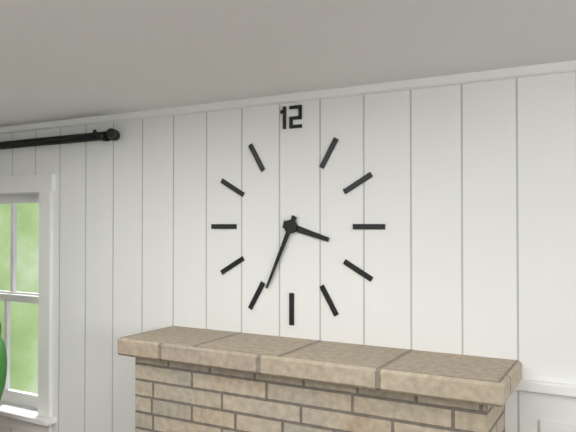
3.34
